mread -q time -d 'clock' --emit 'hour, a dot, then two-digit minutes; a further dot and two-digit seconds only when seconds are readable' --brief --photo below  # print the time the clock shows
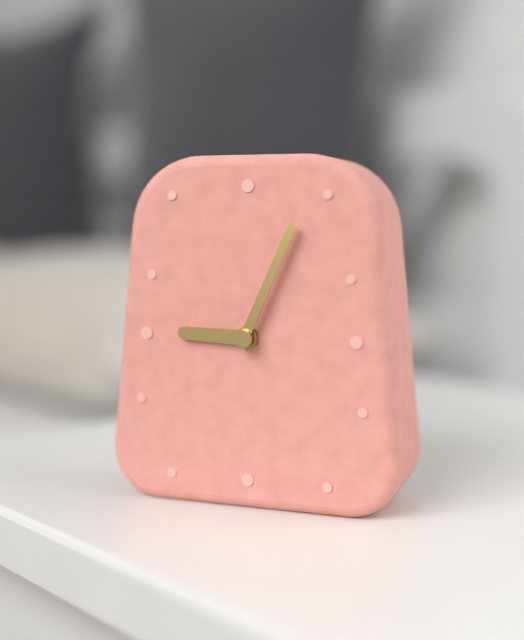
9.04
